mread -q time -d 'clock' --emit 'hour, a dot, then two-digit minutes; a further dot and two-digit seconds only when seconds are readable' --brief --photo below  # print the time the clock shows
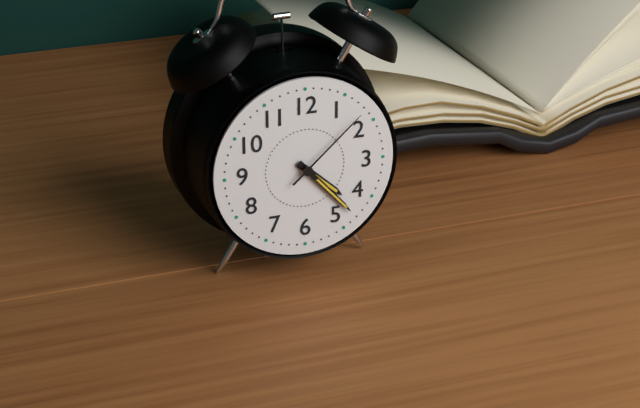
4.23.08
